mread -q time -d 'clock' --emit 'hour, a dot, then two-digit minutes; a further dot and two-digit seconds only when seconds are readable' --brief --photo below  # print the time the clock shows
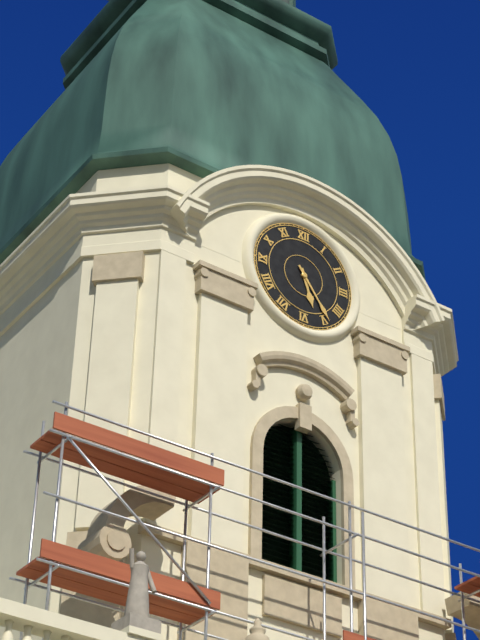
5.24
